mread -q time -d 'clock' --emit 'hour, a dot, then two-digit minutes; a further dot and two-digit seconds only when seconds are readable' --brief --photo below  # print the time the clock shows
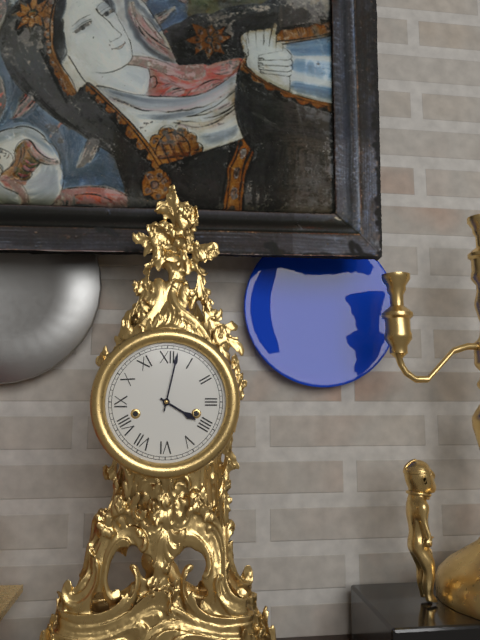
4.02
